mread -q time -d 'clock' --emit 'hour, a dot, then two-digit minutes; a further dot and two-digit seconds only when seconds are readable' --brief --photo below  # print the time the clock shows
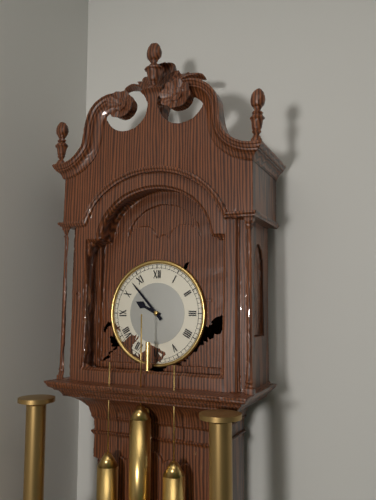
9.53
